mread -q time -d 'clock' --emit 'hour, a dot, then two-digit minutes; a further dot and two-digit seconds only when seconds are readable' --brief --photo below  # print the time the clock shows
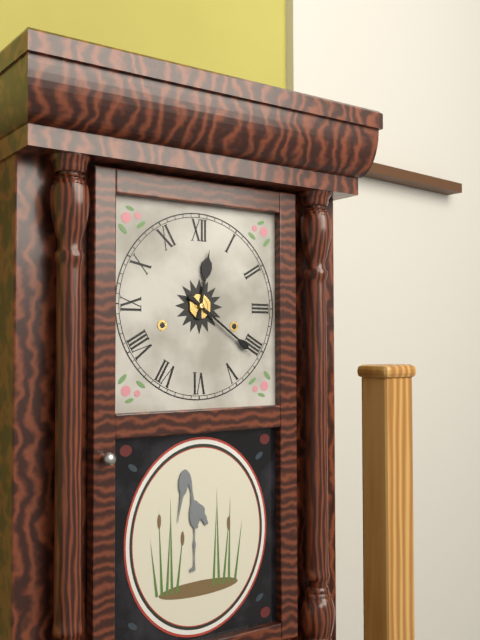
12.21
